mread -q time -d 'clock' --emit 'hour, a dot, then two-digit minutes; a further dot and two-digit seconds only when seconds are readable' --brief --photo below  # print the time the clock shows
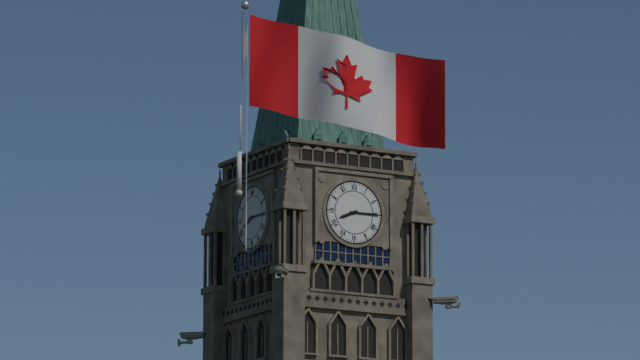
8.15
